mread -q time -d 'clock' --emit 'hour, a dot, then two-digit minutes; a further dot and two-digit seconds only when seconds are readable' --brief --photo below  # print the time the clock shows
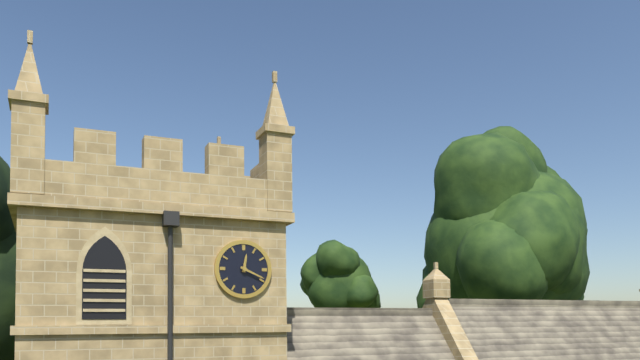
12.19
